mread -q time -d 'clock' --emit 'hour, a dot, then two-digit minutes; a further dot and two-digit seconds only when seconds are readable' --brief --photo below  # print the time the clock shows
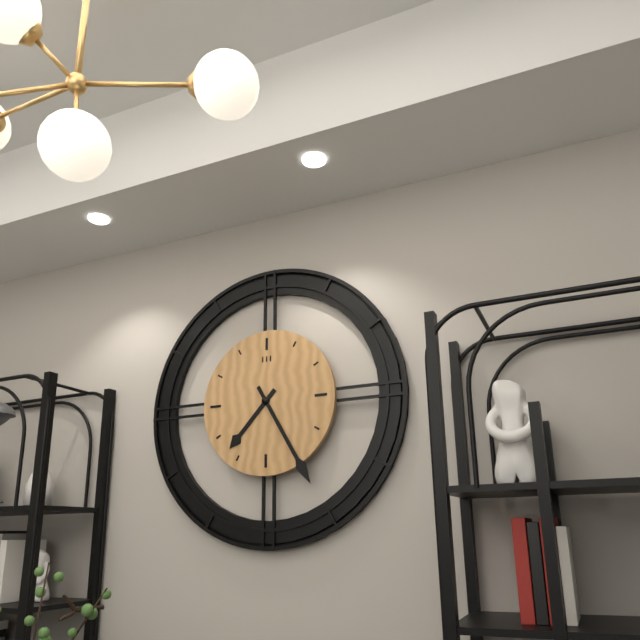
7.25
